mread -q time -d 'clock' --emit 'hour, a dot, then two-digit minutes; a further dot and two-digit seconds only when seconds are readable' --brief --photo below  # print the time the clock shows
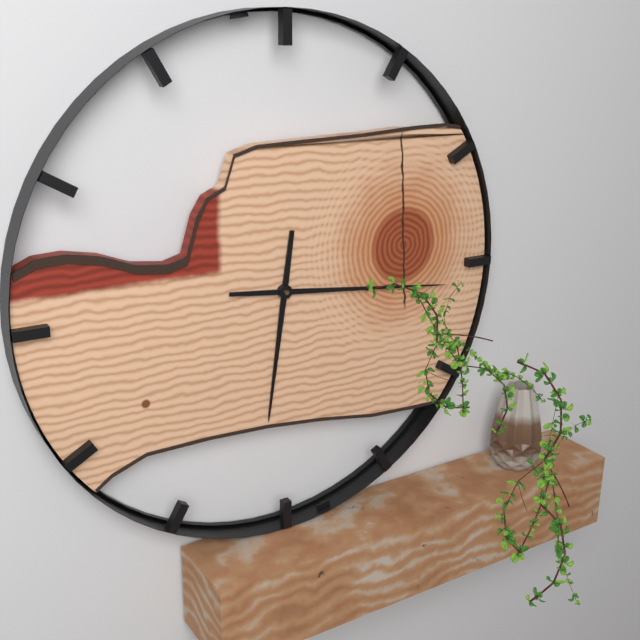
6.16
